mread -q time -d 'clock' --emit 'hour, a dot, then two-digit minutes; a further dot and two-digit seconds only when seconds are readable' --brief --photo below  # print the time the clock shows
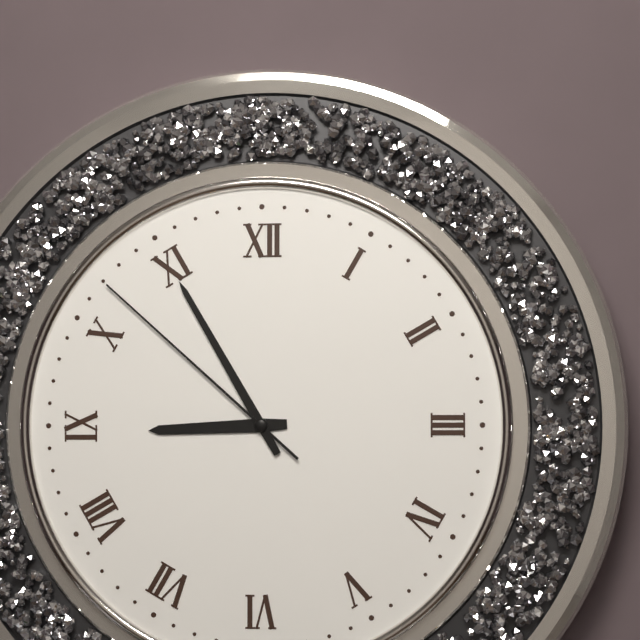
8.55.52
